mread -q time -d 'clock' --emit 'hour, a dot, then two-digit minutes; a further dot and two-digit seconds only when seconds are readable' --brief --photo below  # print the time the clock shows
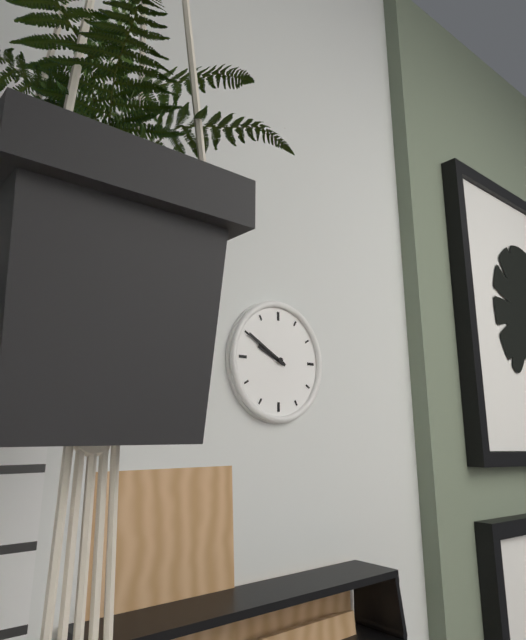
9.50
